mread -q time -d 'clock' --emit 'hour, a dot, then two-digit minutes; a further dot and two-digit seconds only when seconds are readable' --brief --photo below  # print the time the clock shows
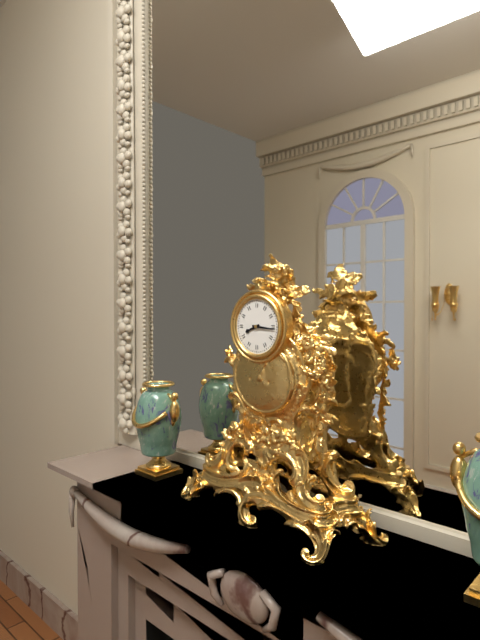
8.16
